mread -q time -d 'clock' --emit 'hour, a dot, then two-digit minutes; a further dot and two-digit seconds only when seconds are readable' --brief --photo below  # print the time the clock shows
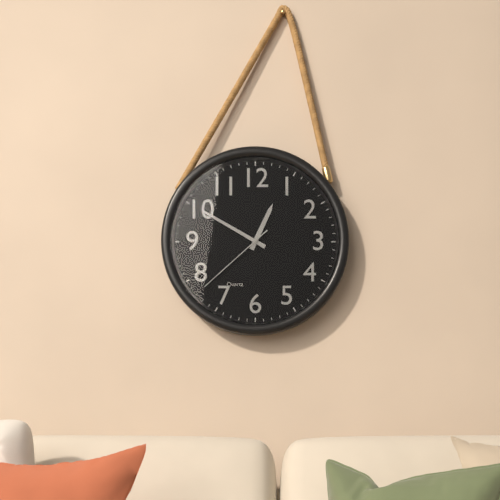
12.50.38
